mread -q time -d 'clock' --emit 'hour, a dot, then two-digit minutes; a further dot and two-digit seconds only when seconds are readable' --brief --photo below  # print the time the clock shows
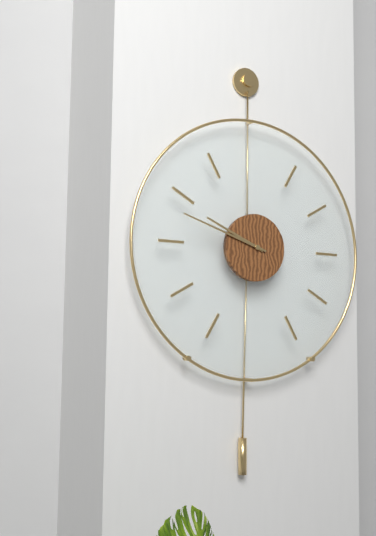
9.48
